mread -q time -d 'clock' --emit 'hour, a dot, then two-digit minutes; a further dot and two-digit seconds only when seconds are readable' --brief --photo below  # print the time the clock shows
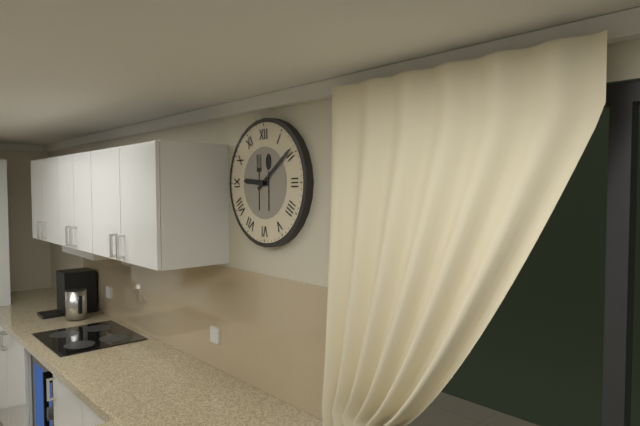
9.09
